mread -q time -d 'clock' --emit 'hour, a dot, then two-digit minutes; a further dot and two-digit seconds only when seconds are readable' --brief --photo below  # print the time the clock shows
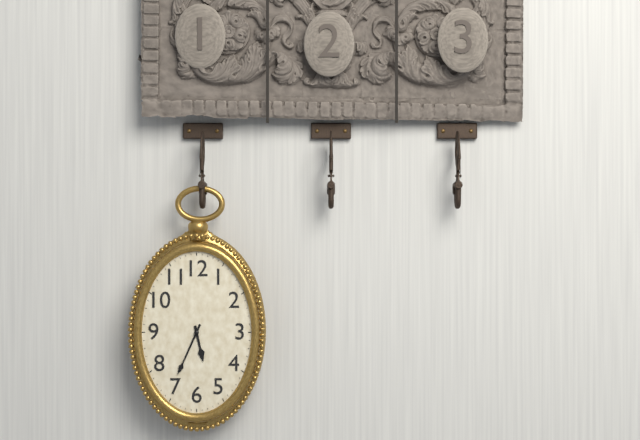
5.34
